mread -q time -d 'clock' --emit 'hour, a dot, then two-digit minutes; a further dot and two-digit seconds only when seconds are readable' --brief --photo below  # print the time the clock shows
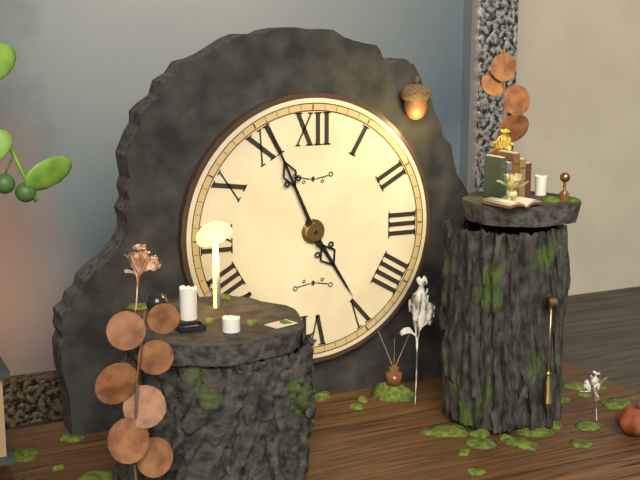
4.56
